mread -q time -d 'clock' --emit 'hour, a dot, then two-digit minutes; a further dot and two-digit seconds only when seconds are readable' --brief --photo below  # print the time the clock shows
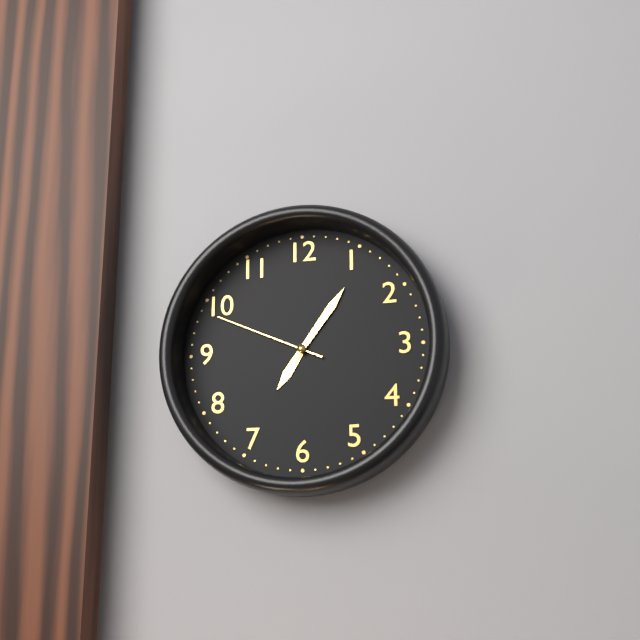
7.06.49
